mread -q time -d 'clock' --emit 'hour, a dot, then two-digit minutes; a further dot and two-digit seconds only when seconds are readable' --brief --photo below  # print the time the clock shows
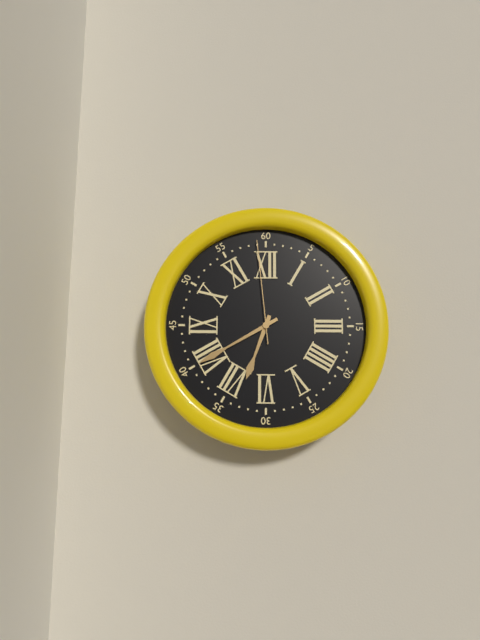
6.40.59
